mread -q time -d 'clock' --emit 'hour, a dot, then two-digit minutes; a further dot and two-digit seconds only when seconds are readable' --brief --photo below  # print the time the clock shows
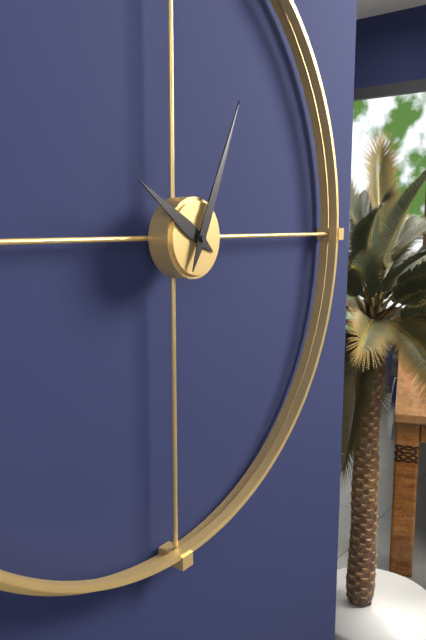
10.04
